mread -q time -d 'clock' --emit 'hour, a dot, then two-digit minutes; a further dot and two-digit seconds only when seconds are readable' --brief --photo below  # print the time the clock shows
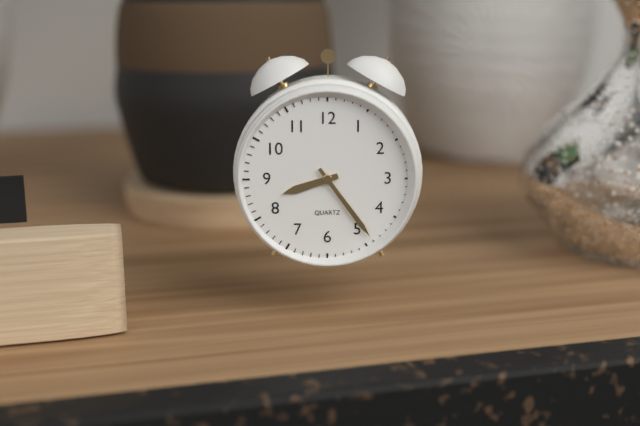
8.24
